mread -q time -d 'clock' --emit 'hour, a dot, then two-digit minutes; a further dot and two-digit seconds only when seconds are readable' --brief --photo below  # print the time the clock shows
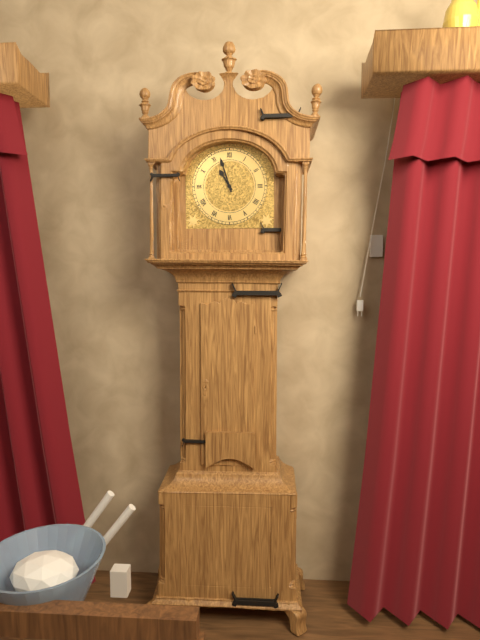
10.57
